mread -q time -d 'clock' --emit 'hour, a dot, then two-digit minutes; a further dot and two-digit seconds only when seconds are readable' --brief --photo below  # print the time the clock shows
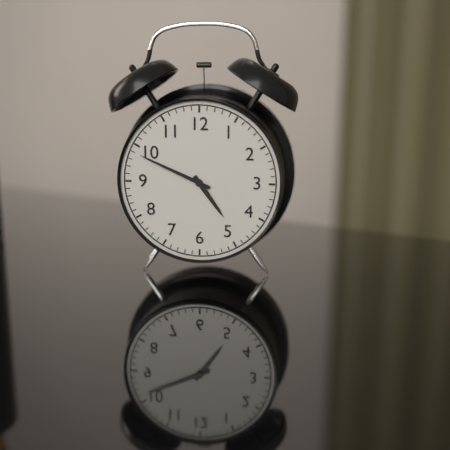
4.49
